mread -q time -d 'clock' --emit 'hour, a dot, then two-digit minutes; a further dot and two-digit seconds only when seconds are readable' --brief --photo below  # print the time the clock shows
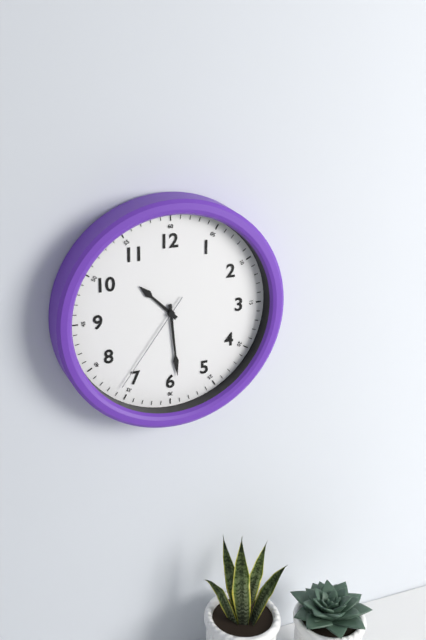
10.29.36
